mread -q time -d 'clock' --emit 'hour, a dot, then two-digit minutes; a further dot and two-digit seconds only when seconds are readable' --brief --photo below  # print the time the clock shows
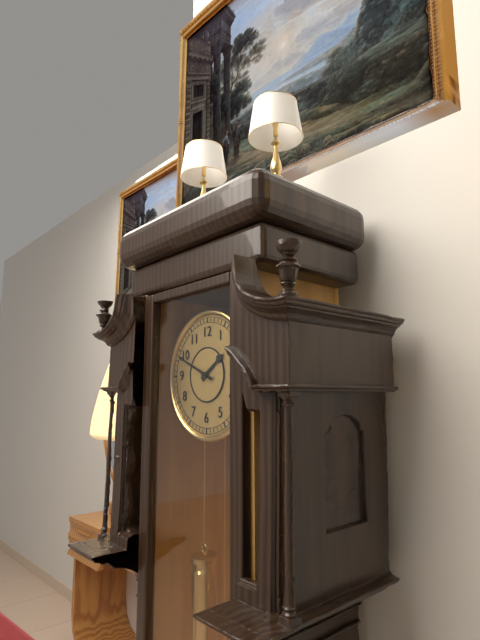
1.49
